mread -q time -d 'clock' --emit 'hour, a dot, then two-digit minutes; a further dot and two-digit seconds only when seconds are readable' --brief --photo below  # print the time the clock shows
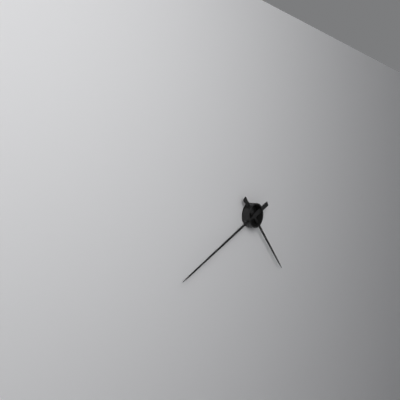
4.41
